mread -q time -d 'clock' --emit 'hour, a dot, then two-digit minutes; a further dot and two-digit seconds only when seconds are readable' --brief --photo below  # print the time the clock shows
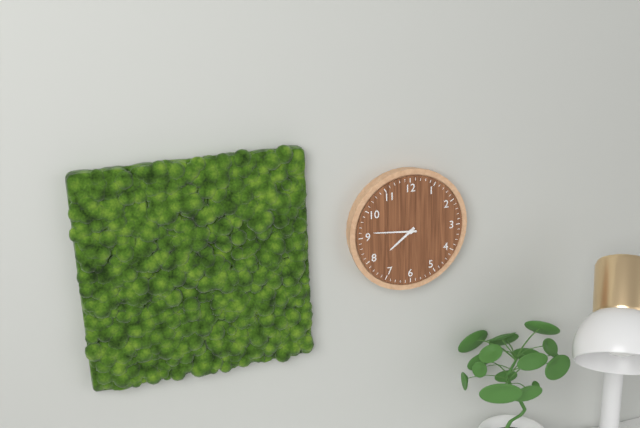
7.46
